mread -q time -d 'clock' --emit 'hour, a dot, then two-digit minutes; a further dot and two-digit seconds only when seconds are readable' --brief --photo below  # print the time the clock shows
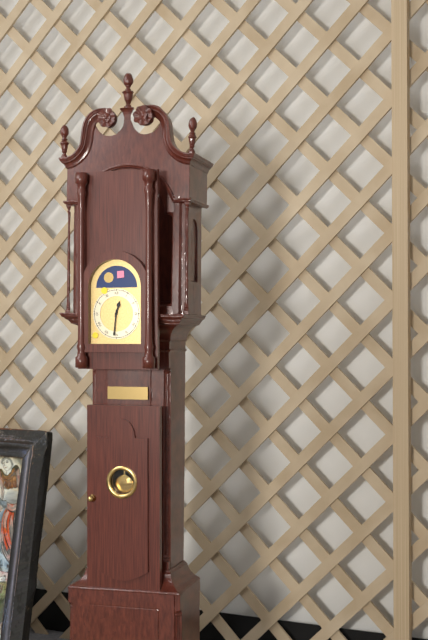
12.31
